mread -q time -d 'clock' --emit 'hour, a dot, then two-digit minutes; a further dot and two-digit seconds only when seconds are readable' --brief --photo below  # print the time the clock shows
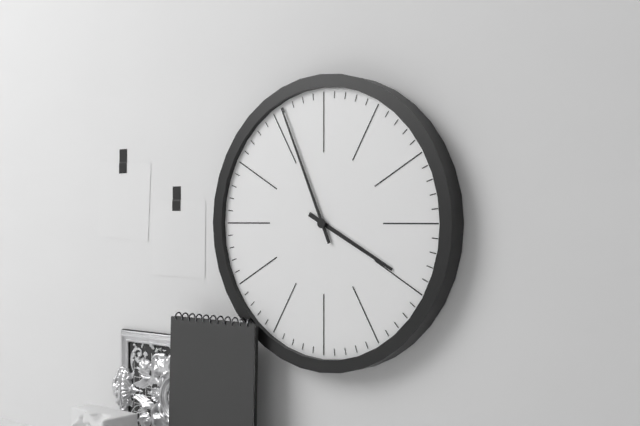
3.56
